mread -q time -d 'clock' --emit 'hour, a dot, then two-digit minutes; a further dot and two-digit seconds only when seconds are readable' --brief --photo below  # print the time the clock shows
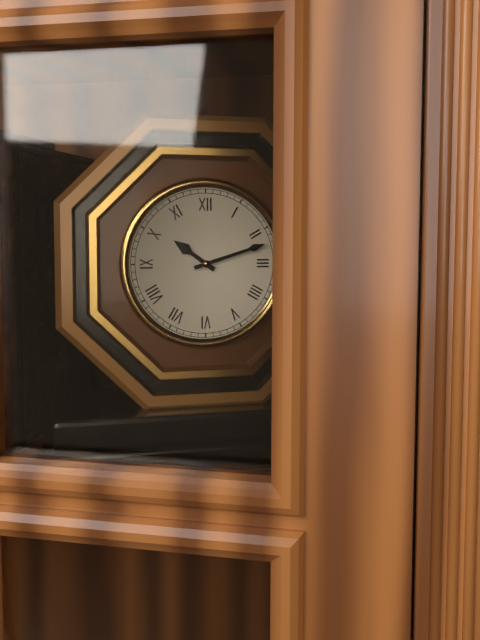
10.12
